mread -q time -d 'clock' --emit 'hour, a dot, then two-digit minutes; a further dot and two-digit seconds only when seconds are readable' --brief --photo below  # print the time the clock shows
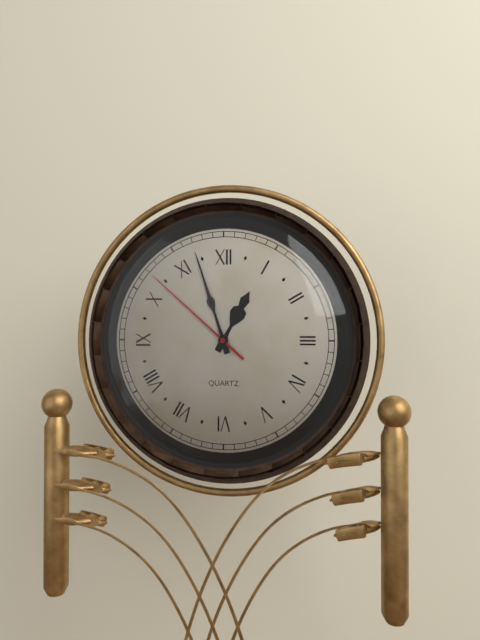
12.57.52
